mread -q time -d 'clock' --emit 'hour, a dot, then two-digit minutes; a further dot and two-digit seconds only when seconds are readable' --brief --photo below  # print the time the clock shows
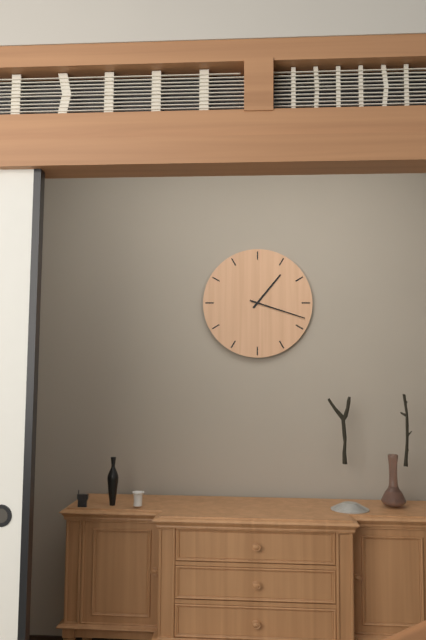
1.18
